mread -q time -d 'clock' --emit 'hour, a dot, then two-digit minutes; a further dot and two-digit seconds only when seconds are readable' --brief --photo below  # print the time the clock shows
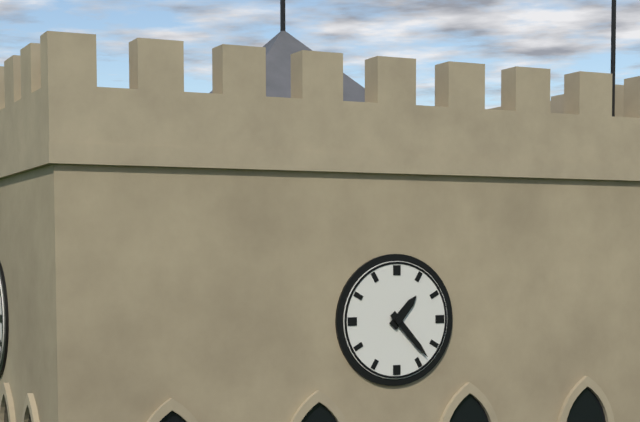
1.23
